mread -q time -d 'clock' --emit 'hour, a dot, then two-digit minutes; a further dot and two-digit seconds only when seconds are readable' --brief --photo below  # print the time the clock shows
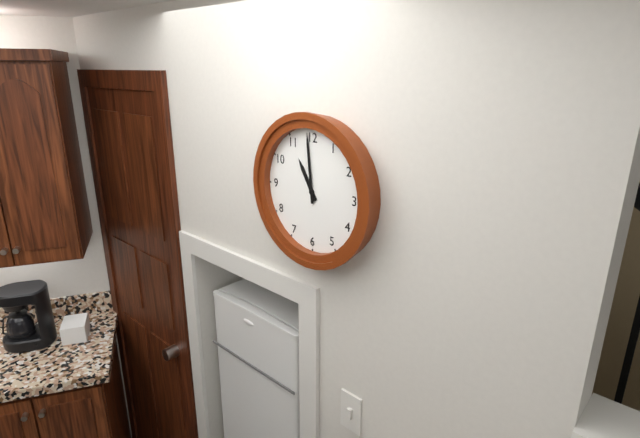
10.59
